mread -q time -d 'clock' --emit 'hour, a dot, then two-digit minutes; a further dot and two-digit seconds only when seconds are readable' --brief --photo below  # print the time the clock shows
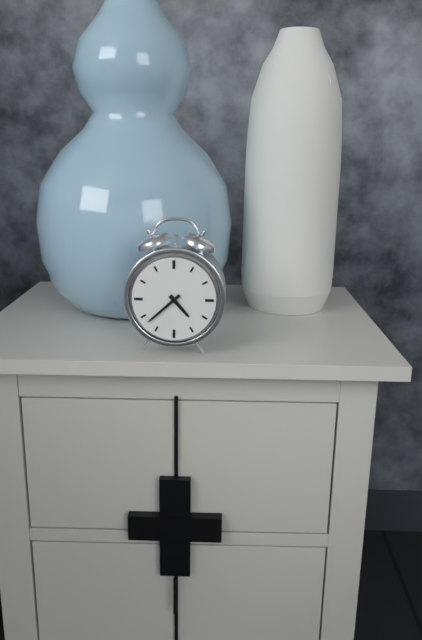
4.38
